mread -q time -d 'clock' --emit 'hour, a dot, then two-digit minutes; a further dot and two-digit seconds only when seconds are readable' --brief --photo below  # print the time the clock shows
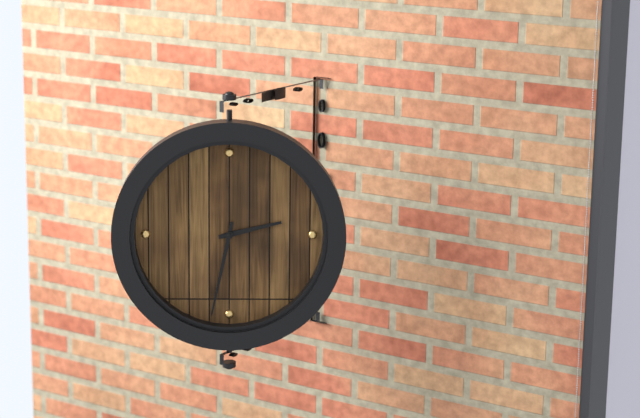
2.32
